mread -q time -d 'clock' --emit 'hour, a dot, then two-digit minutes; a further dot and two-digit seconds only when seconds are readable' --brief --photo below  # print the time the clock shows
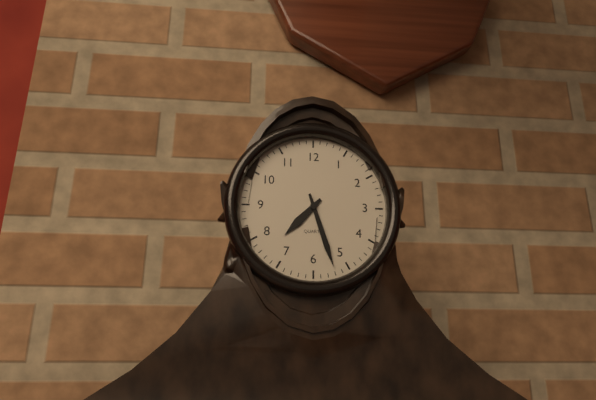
7.27
